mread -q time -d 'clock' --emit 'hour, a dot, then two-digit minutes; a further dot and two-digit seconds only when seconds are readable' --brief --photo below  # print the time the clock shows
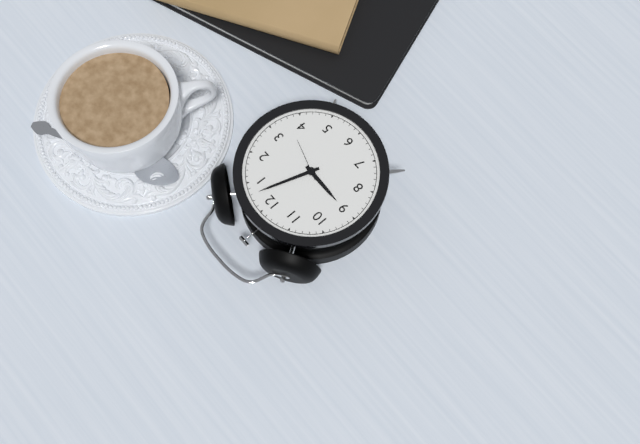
9.03
